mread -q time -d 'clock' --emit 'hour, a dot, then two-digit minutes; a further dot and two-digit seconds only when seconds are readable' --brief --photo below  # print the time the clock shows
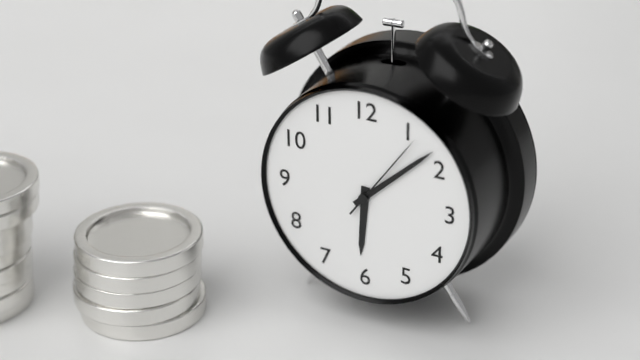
6.08.06
